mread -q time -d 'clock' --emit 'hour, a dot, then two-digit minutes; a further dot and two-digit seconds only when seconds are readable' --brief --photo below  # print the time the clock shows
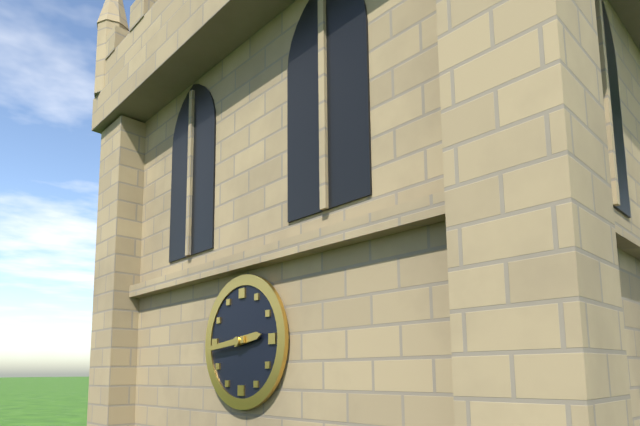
2.44
